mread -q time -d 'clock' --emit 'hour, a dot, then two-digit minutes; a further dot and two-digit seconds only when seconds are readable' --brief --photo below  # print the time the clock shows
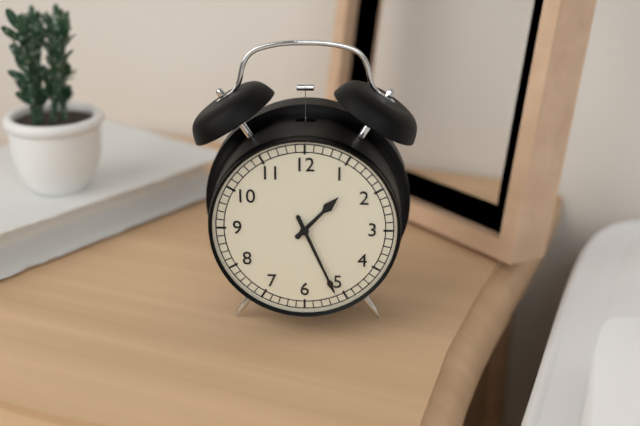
1.26
